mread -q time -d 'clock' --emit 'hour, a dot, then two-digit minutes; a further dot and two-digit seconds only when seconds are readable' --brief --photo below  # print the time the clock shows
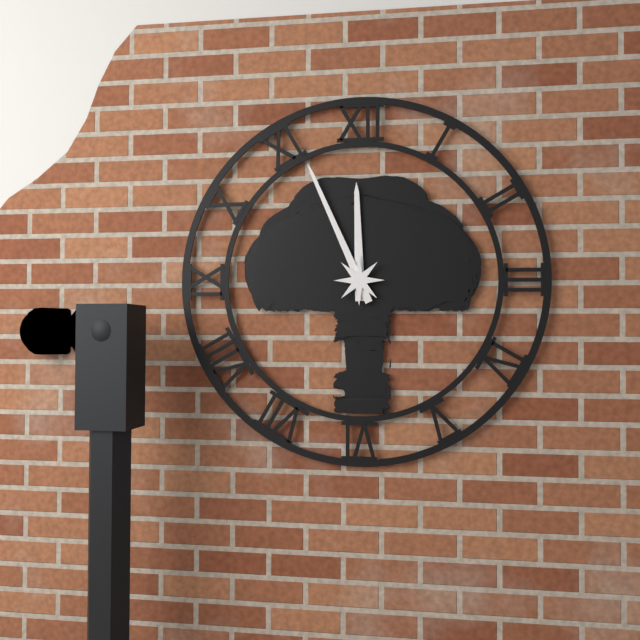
11.56
